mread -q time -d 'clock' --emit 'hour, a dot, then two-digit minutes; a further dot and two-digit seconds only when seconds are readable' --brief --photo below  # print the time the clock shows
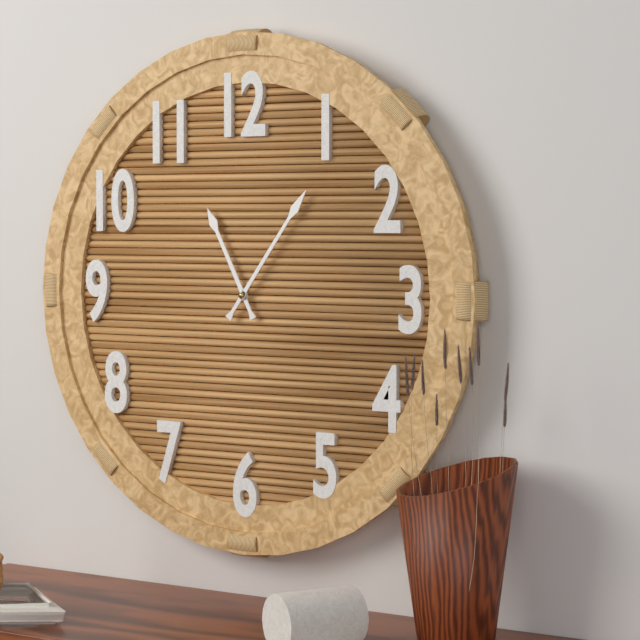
11.06
